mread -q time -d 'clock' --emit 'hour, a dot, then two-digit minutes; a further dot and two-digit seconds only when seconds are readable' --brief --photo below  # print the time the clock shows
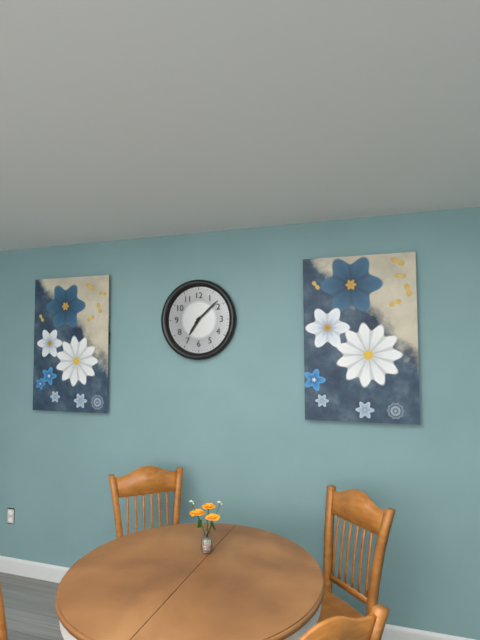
7.08
